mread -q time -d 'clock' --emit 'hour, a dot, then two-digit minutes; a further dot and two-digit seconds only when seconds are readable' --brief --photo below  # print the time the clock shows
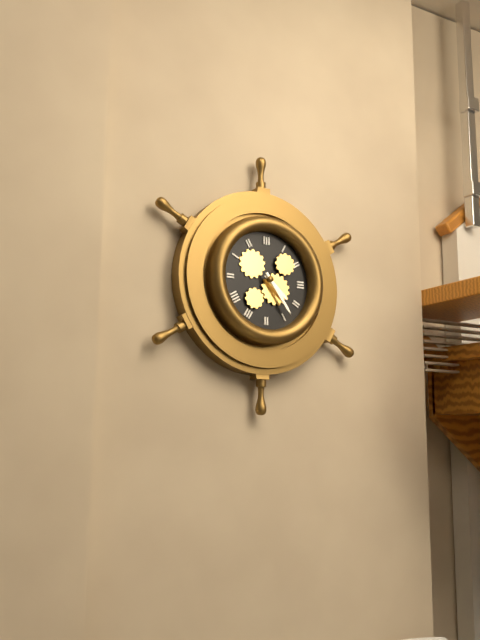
4.24
